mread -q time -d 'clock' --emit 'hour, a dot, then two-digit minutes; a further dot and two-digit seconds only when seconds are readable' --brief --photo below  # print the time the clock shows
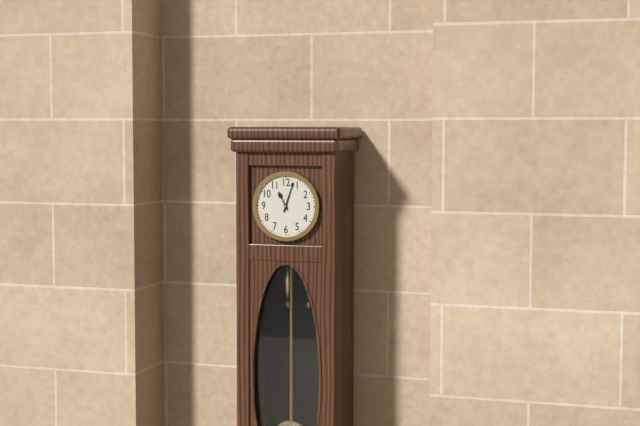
11.03
